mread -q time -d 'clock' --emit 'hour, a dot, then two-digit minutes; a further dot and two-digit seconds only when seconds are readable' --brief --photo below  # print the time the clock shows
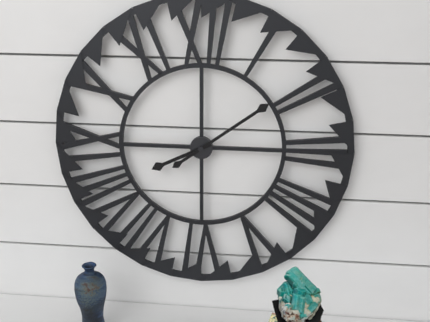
8.09
